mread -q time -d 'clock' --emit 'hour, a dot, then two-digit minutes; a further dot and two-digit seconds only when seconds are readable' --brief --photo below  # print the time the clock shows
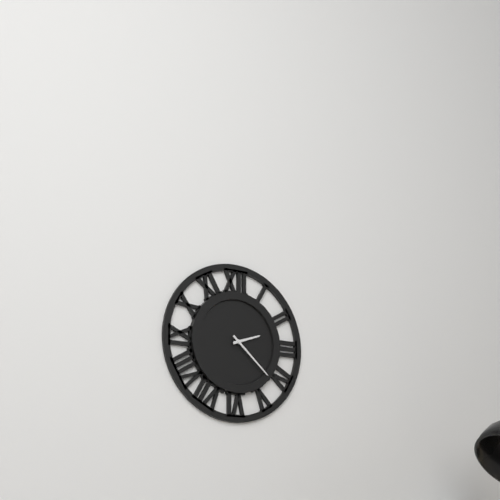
2.22
